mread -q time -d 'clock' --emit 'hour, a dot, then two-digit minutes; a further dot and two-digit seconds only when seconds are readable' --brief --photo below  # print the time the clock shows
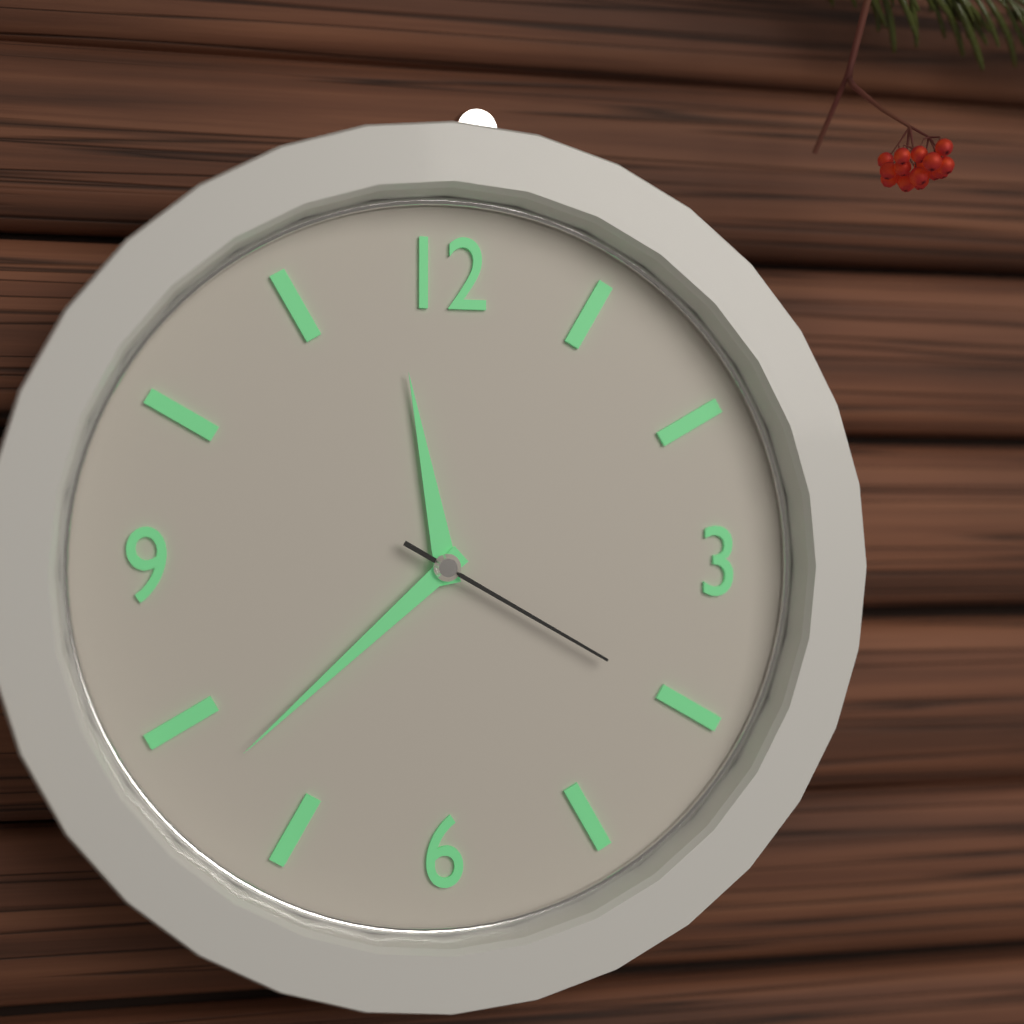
11.38.20
